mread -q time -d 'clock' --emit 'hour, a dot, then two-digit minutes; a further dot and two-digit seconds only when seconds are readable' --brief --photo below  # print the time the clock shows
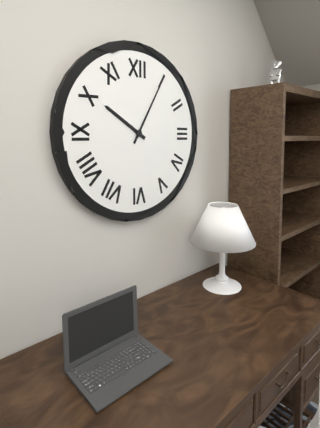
10.05
